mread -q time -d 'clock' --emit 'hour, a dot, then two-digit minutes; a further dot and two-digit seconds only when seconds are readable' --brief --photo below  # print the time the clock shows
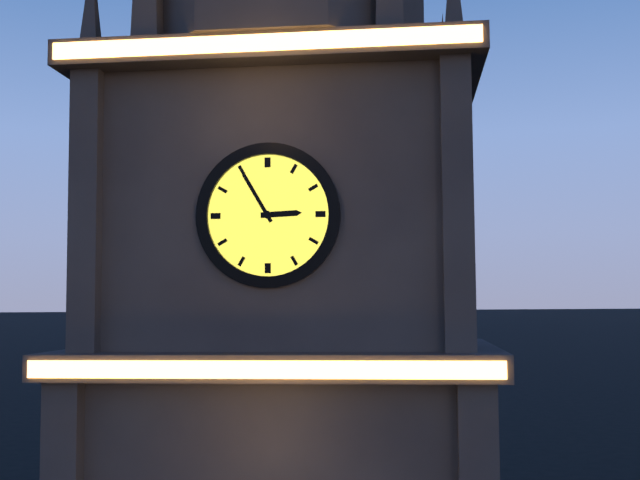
2.55
